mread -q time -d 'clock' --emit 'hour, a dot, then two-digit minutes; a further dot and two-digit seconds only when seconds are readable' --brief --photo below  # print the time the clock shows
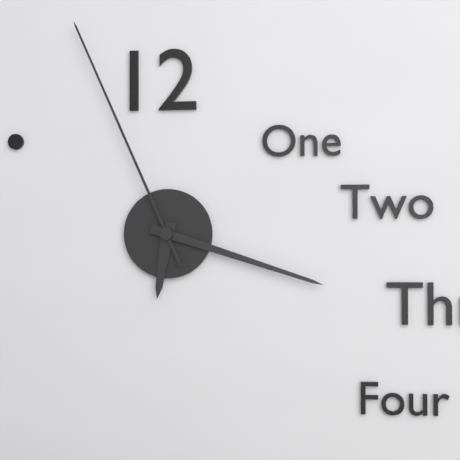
6.18.56
